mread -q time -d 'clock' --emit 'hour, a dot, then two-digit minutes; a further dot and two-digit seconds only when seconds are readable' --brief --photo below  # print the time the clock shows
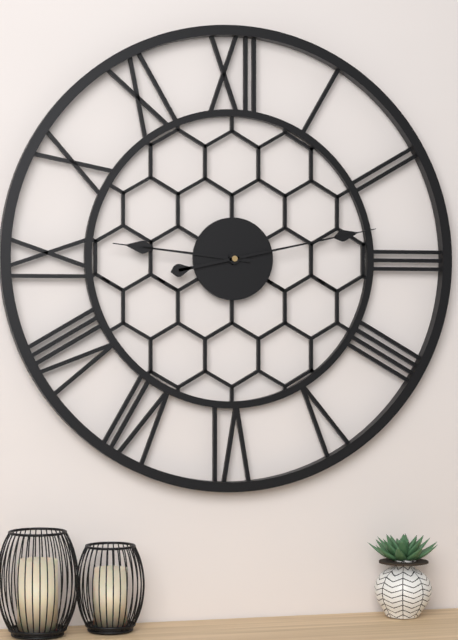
9.13
